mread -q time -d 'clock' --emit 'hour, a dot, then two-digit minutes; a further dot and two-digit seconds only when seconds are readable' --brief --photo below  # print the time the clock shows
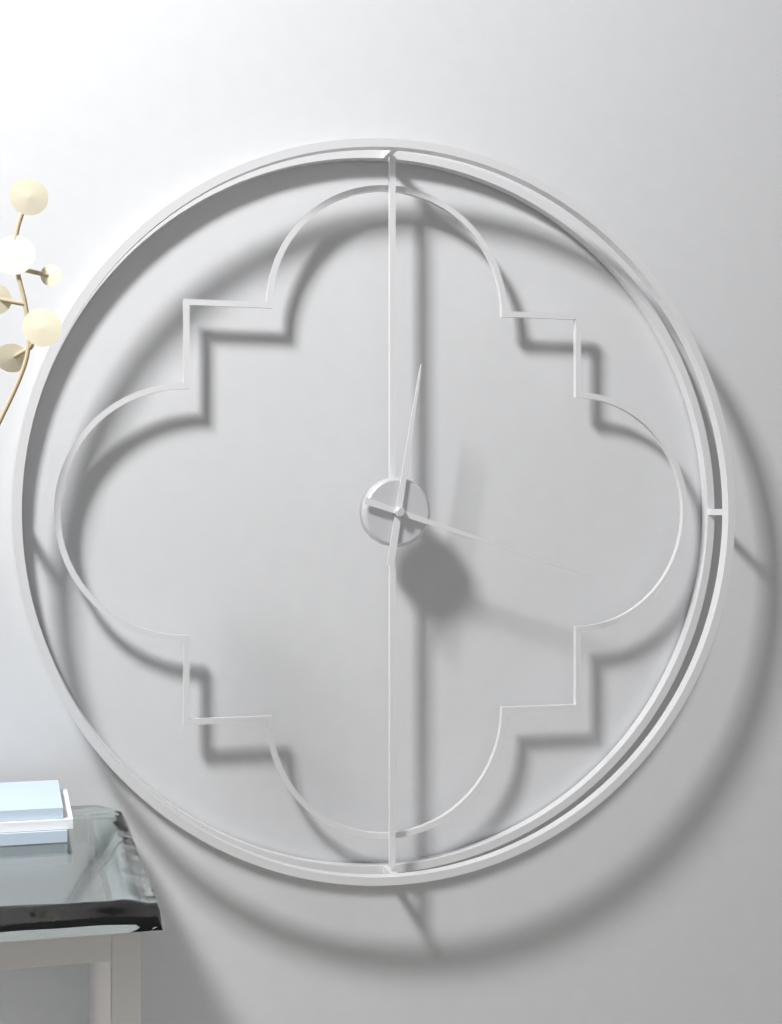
12.18
